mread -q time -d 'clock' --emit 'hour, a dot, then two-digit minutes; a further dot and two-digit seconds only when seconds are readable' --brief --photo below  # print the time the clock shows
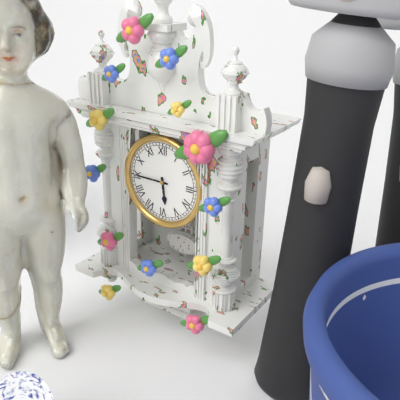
5.45
